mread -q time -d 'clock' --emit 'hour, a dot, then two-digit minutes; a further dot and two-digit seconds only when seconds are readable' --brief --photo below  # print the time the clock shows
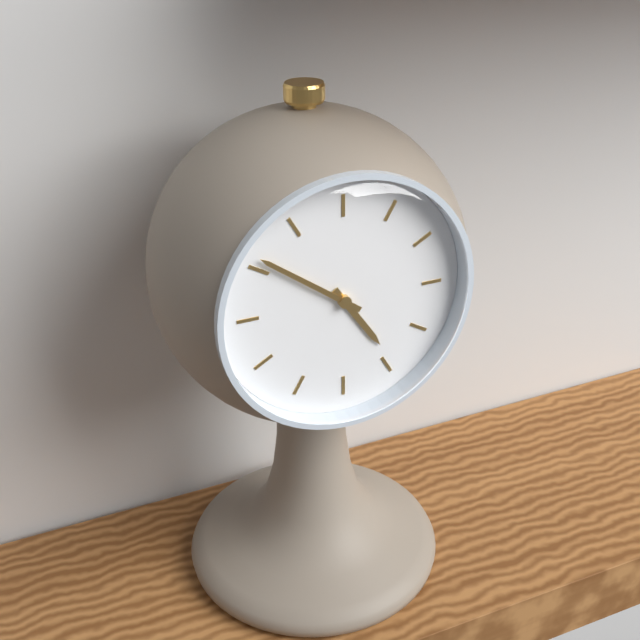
4.51
